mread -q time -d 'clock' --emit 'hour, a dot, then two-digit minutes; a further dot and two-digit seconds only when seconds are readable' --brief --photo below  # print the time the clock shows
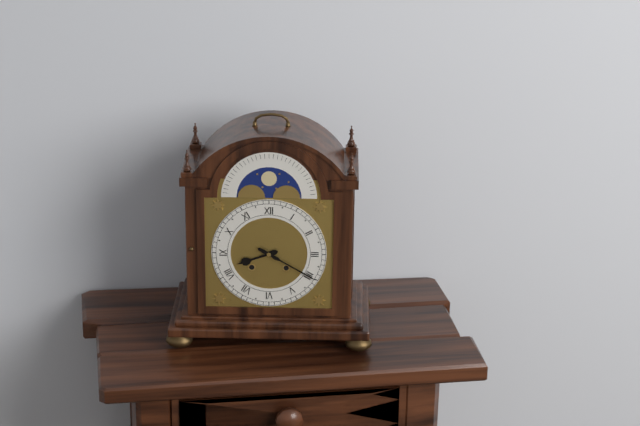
8.20
